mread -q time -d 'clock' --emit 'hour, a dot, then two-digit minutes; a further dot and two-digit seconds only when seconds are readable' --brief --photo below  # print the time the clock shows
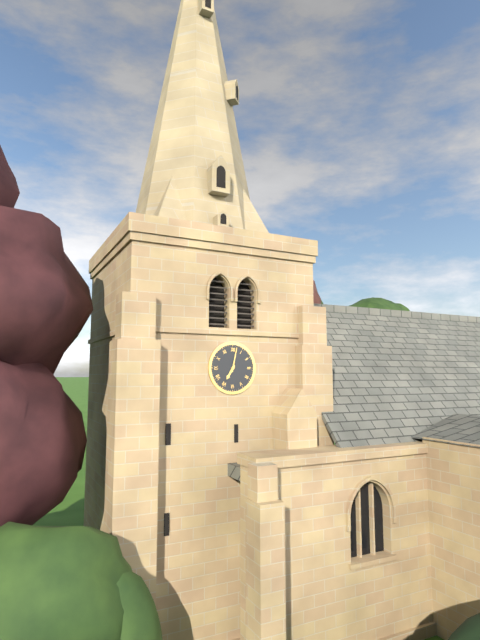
7.02
